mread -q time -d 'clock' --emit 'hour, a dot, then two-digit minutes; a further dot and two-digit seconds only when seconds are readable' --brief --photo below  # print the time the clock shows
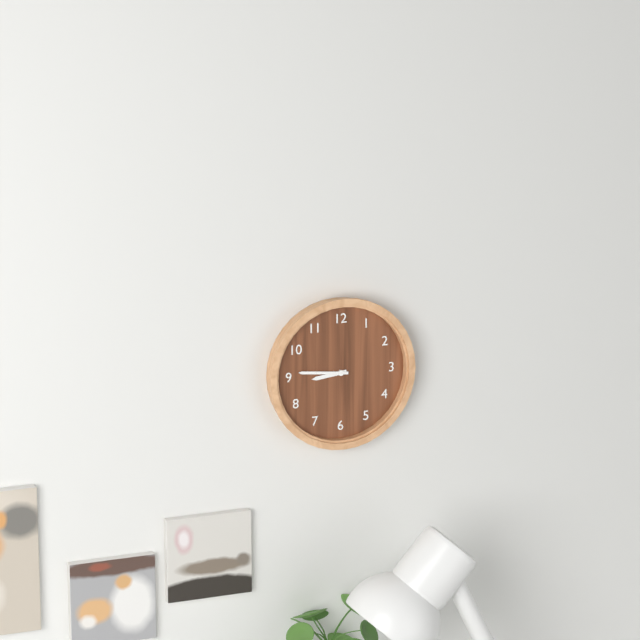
8.46
